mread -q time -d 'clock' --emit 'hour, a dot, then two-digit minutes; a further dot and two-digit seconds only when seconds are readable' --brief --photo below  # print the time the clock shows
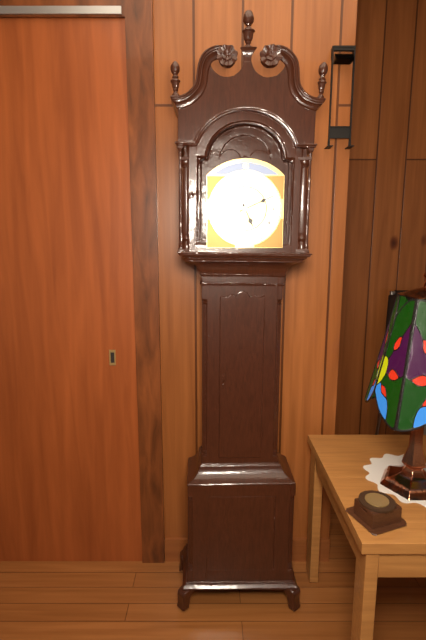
5.11
